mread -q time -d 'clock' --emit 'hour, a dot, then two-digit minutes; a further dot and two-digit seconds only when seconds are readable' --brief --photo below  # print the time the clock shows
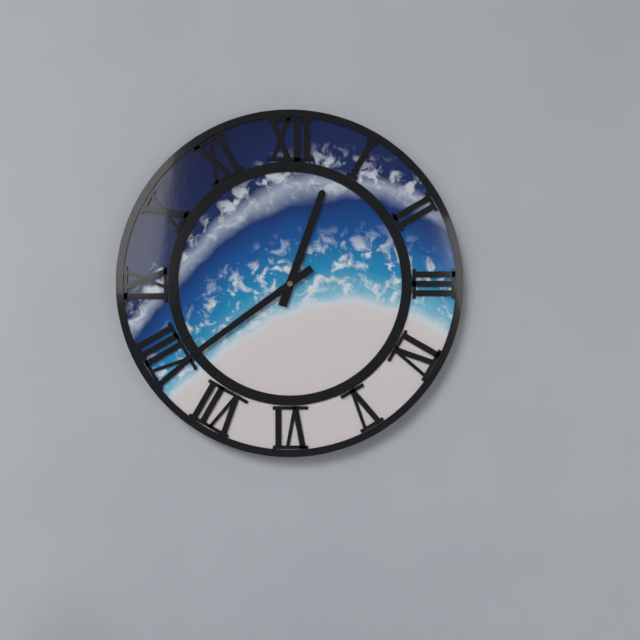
12.39
